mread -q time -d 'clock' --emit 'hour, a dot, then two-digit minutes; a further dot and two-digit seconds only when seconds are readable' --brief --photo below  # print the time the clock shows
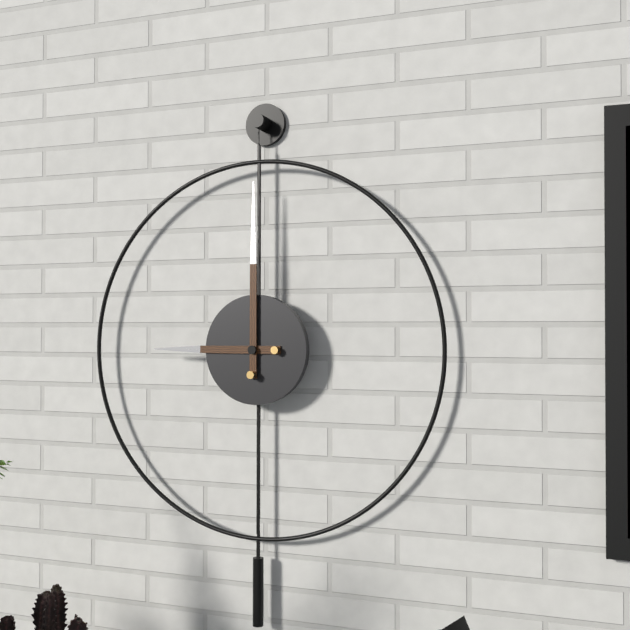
9.00
